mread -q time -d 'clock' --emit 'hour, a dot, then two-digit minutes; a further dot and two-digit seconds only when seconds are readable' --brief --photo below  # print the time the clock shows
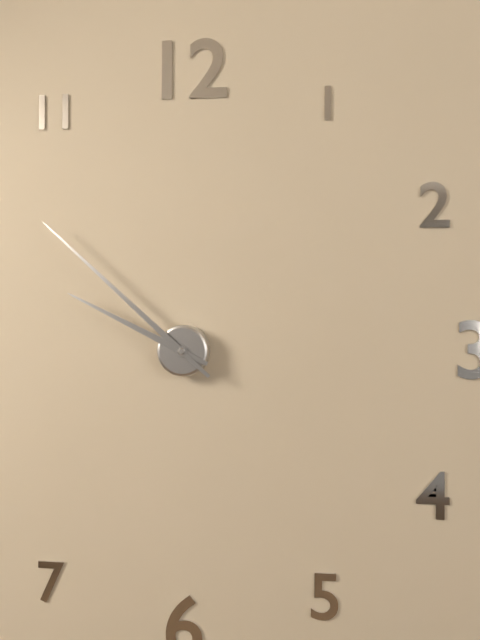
9.52
